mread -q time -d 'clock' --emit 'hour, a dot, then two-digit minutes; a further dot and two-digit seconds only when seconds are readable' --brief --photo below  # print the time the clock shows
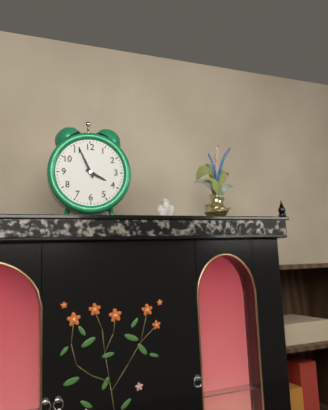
3.56
